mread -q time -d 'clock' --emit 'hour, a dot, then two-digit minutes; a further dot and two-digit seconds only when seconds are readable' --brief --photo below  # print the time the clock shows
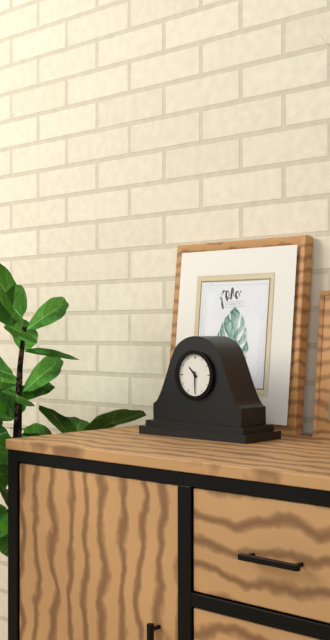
10.30
